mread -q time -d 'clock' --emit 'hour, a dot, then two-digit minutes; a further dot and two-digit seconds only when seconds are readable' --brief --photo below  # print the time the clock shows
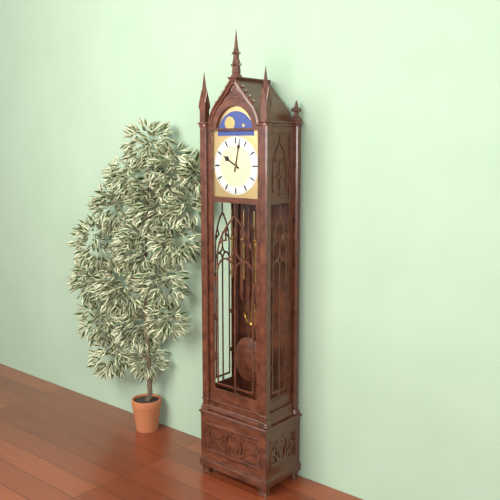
10.02
